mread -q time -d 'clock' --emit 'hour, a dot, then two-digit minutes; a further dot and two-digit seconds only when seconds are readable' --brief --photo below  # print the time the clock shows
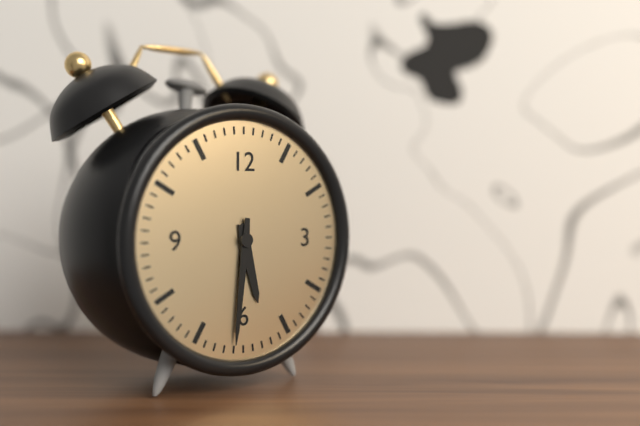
5.31
